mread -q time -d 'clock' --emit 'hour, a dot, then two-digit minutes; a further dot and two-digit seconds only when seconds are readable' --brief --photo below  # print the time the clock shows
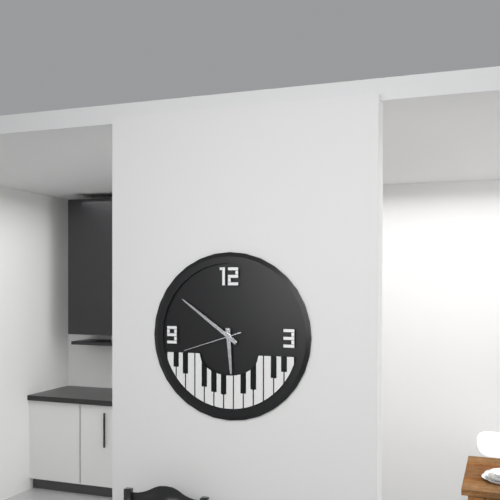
5.51.42
